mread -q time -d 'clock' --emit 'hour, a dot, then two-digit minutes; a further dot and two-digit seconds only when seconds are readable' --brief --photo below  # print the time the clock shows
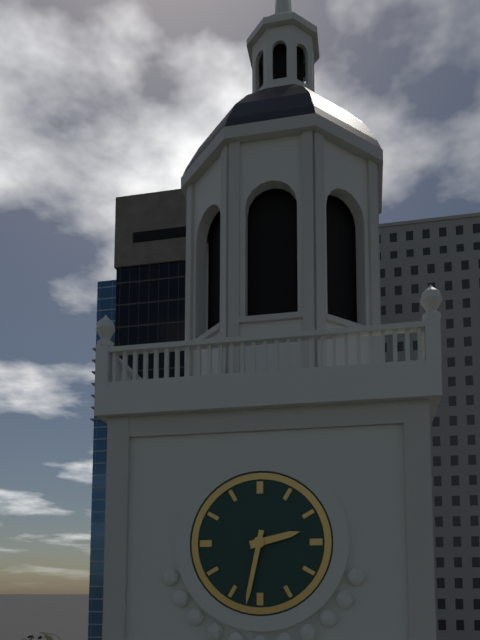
2.32
